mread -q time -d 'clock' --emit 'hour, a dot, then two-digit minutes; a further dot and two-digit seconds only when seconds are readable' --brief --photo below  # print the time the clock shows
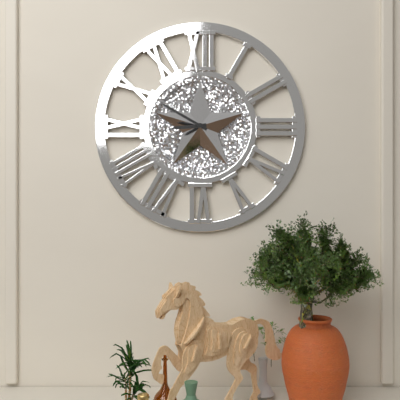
8.50
